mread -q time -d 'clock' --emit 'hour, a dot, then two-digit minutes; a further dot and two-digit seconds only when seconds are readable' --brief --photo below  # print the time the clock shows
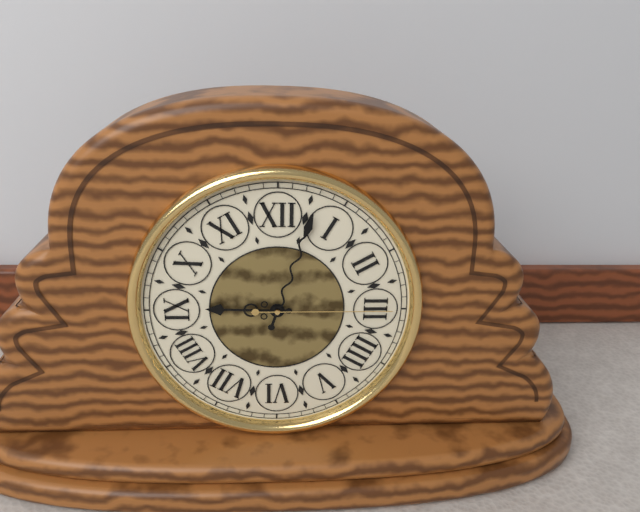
9.03.15
